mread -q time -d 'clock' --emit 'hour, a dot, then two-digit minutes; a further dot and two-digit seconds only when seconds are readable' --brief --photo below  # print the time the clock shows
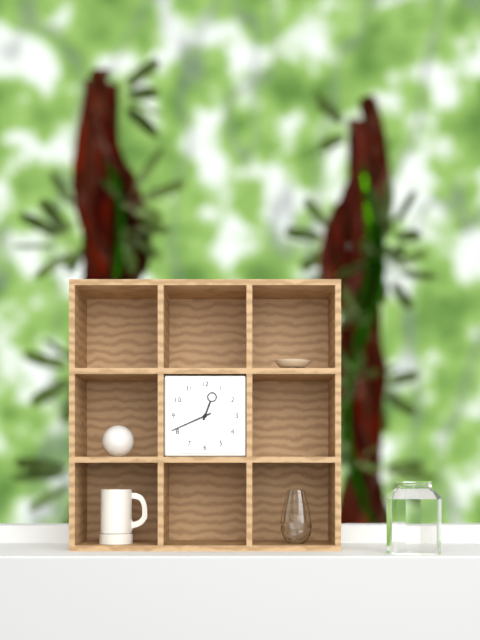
12.41
